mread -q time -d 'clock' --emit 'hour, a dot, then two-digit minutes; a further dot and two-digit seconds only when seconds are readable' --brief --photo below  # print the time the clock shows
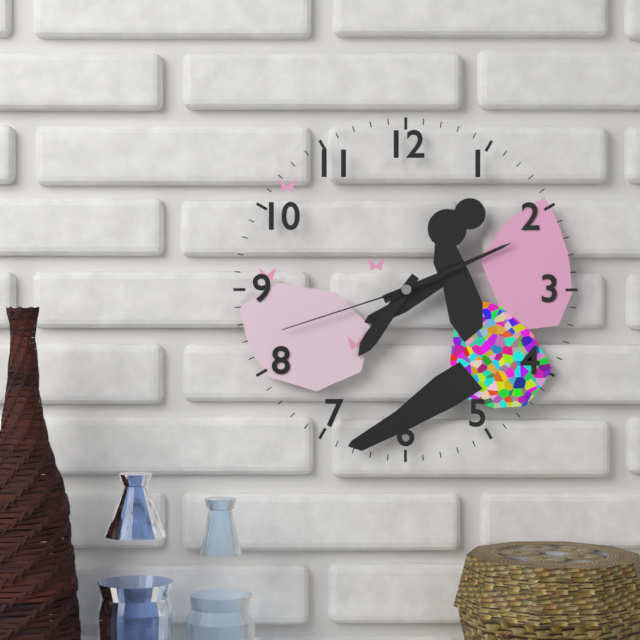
7.11.42
